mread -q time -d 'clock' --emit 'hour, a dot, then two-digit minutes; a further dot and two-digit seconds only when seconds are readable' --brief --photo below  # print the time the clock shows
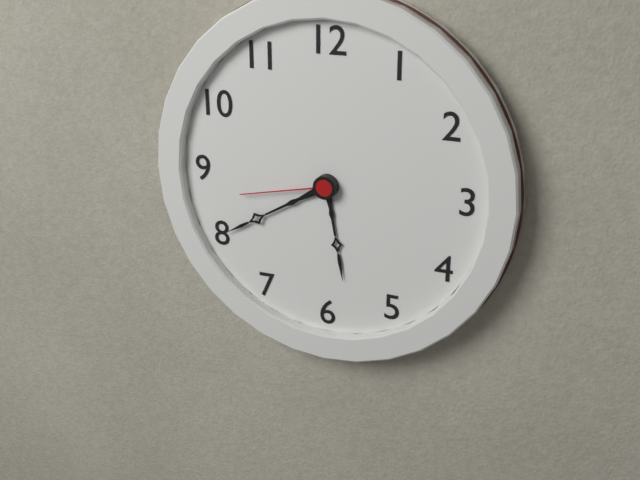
5.40.43
